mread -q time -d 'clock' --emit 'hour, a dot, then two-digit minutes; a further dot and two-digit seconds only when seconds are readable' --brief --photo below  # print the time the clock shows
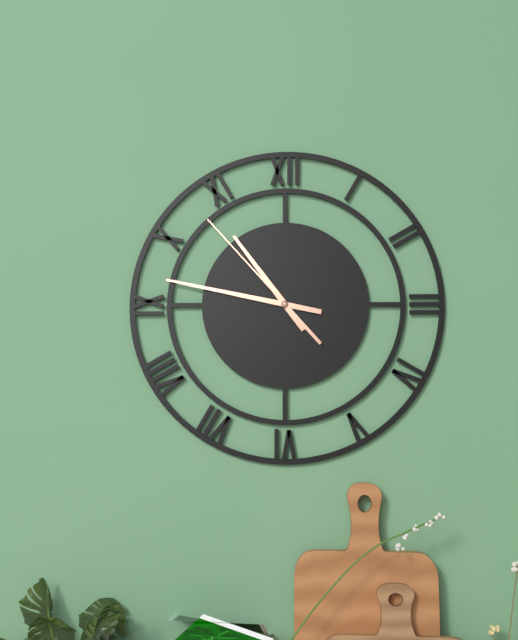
10.47.53
